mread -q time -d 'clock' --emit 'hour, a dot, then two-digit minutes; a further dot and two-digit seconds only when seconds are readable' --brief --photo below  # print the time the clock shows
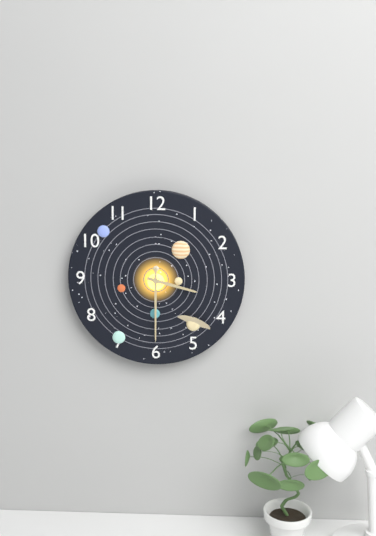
3.30
